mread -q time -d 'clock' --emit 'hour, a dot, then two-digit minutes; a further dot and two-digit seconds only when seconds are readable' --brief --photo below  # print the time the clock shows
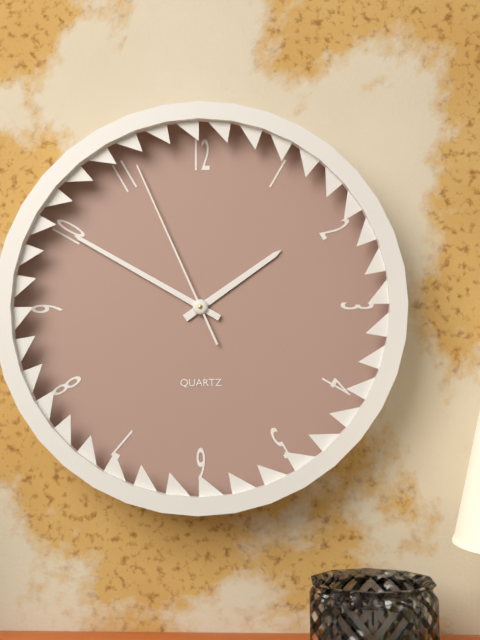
1.50.56
